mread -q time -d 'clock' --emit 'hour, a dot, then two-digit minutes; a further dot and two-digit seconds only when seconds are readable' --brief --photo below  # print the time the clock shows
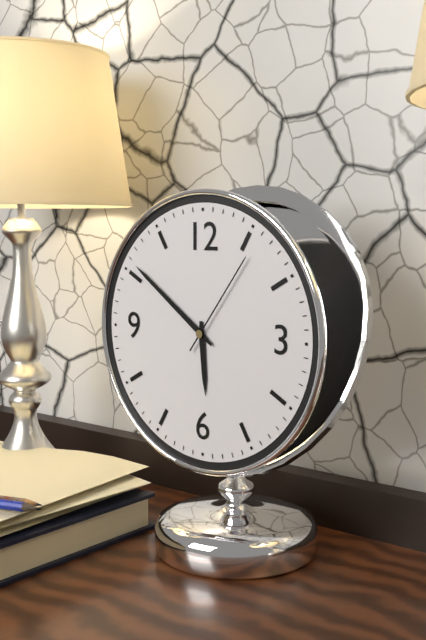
5.51.06
